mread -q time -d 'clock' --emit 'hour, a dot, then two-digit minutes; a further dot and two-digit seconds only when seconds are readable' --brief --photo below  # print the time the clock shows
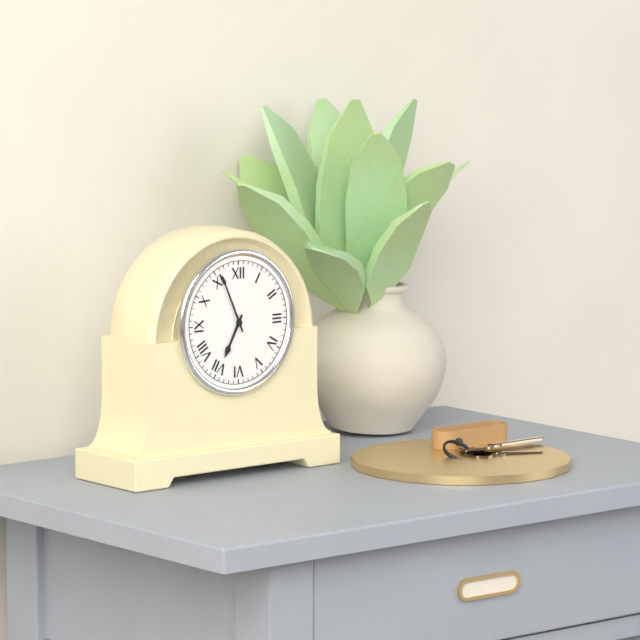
6.56
